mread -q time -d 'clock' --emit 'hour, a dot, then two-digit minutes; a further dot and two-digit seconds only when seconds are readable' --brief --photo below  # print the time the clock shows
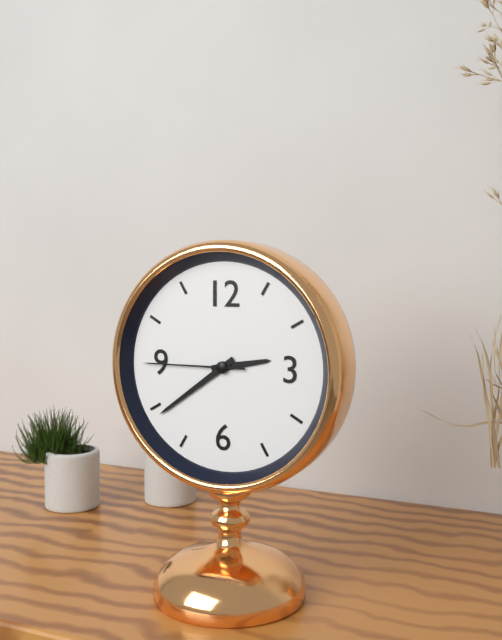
2.39.45
